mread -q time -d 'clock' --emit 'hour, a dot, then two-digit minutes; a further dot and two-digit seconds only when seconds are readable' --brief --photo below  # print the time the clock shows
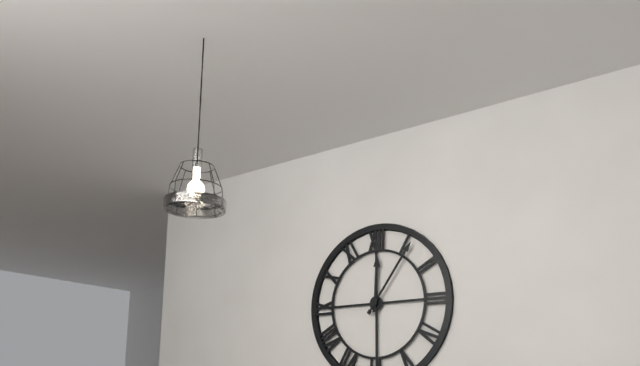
12.06
